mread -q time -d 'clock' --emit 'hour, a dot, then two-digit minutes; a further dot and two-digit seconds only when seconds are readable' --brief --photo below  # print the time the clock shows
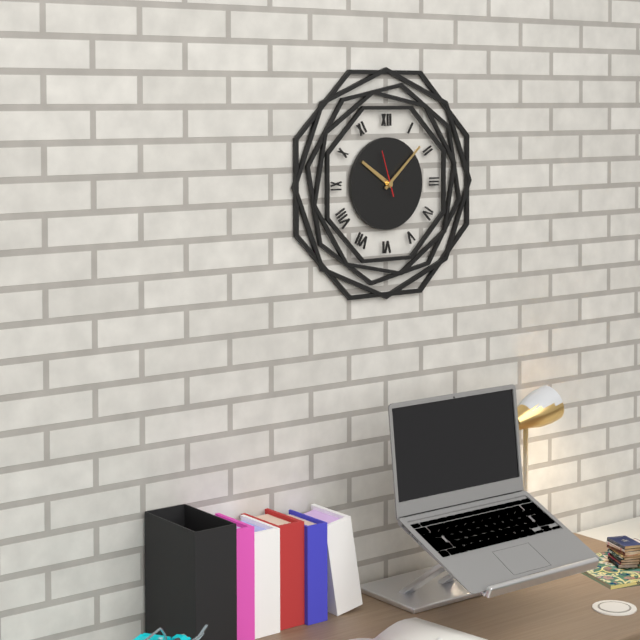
10.08
